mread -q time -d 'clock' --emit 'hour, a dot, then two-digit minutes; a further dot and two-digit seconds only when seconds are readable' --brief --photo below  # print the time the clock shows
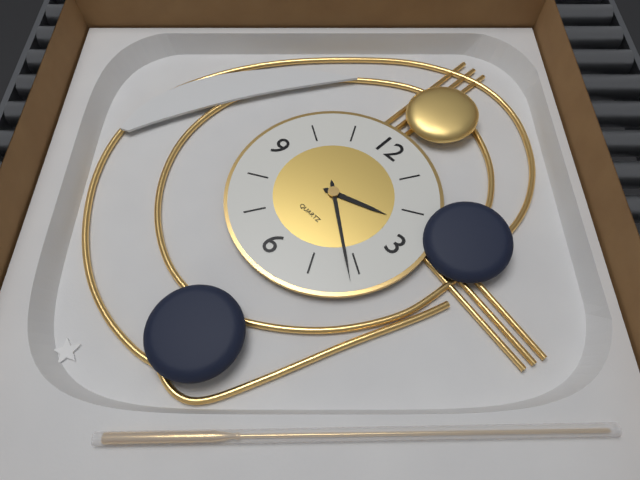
2.21
